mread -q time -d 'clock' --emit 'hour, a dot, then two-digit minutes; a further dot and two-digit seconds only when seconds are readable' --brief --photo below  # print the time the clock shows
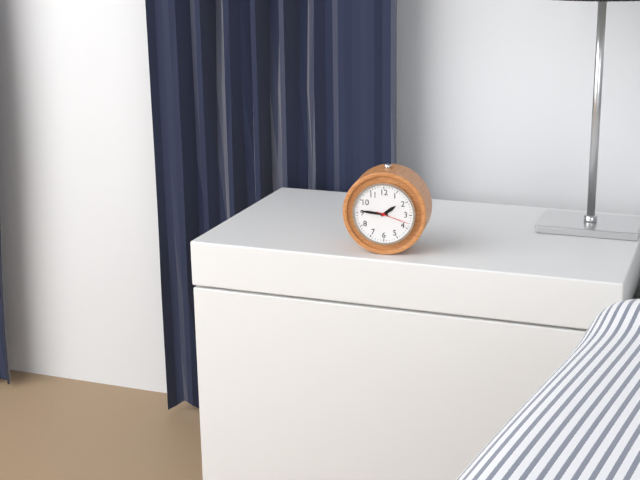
1.46
